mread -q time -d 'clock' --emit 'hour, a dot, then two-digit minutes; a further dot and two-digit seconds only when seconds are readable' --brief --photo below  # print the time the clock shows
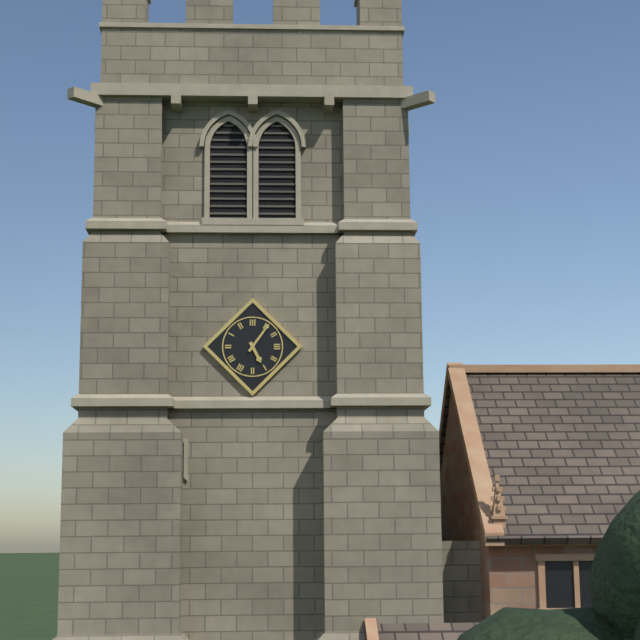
5.06
